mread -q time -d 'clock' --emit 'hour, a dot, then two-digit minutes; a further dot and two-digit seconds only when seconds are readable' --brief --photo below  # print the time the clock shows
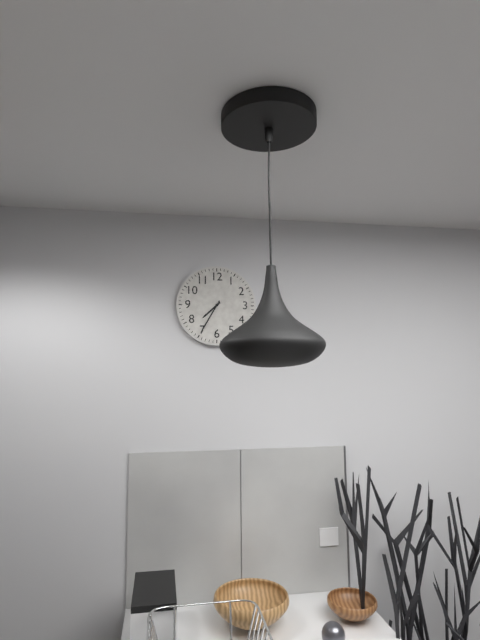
7.35
